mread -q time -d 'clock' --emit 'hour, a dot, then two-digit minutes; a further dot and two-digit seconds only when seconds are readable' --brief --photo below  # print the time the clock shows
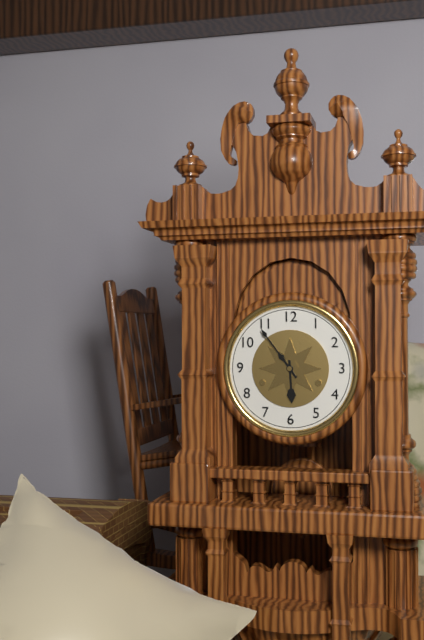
5.54
